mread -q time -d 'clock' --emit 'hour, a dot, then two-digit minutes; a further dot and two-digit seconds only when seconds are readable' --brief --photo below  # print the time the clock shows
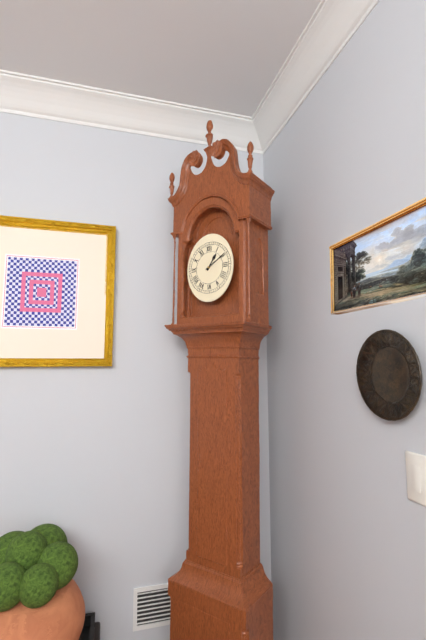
1.10
